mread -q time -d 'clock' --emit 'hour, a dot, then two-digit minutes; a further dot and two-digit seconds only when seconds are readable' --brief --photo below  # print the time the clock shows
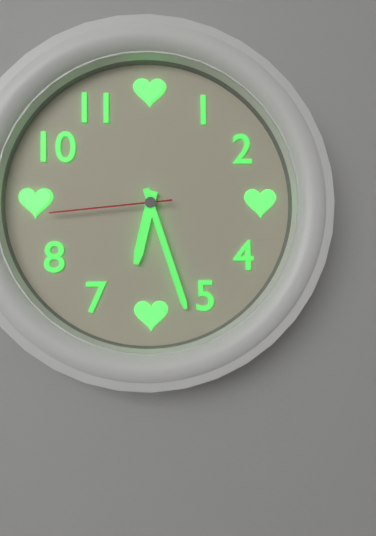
6.27.44
